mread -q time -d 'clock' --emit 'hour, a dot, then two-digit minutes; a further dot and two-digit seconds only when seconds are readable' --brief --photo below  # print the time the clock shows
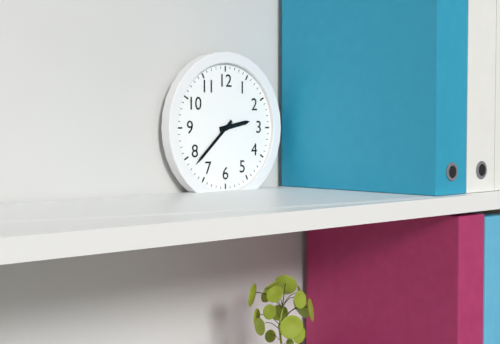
2.38
